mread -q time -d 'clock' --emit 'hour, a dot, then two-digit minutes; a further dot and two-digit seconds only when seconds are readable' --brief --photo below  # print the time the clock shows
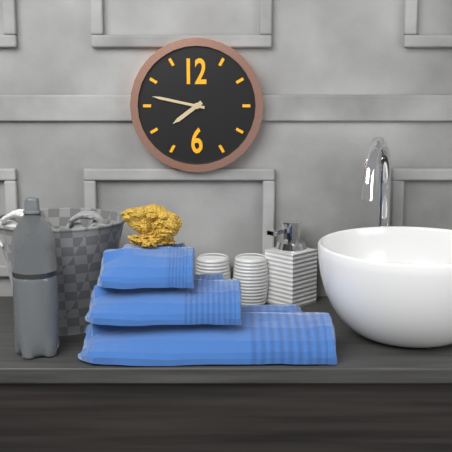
7.47
